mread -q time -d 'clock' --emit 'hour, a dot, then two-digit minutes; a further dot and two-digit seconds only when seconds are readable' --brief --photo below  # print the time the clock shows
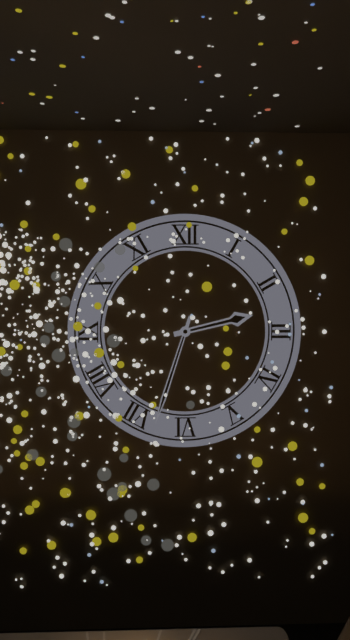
2.33
